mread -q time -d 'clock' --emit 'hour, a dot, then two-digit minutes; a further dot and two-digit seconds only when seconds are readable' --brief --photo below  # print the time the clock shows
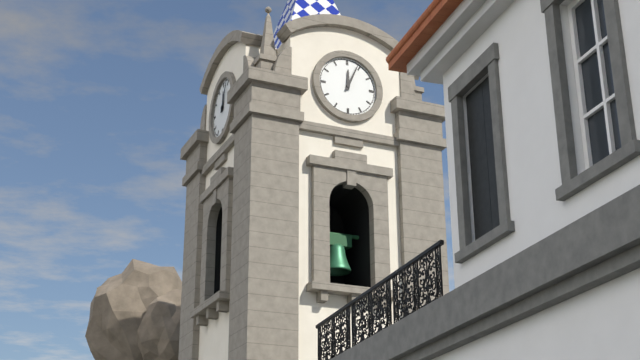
12.04
